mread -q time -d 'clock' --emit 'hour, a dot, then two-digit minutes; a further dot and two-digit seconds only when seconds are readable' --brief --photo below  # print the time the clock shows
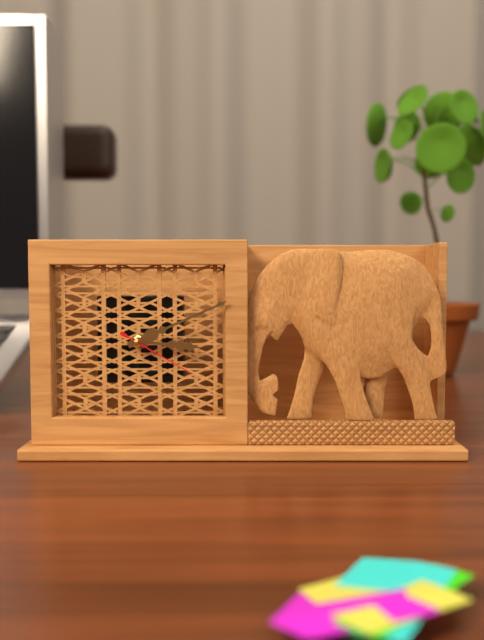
3.11.20
